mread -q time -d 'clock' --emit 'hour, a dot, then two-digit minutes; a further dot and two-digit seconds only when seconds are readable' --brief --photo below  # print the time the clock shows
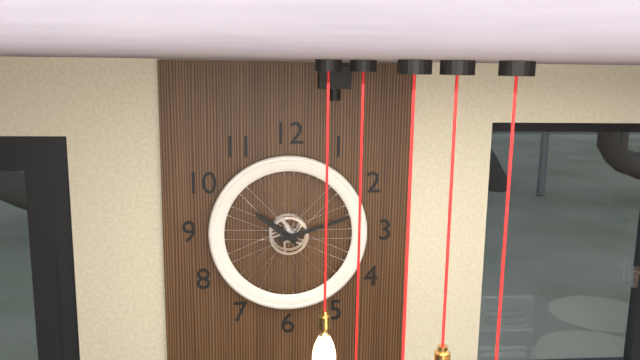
10.12
